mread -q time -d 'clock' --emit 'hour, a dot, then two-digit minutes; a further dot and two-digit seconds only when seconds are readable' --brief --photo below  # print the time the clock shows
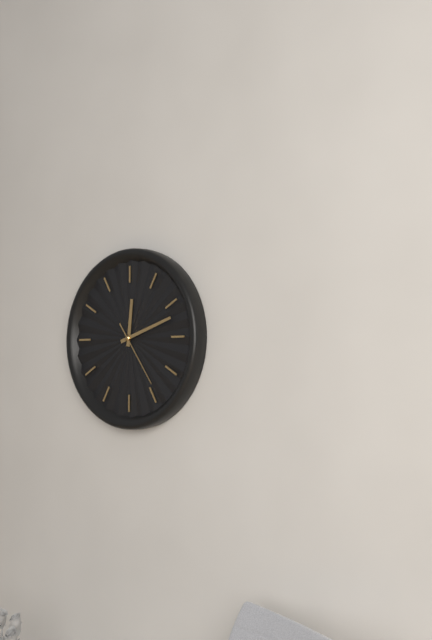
12.12.24
